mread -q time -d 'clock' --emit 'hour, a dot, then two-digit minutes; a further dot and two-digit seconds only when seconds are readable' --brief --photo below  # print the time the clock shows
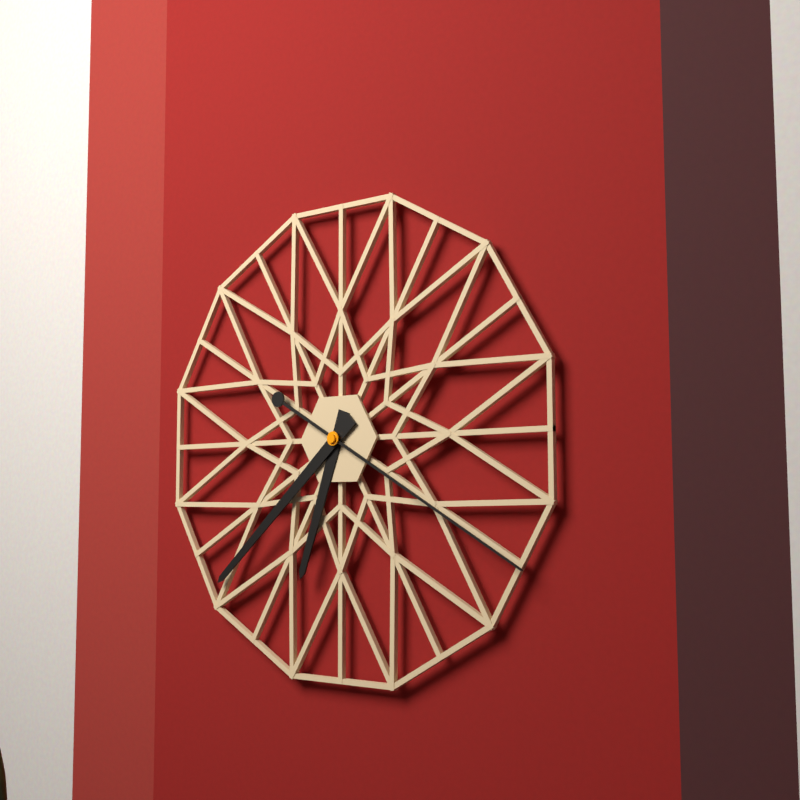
6.38.20
